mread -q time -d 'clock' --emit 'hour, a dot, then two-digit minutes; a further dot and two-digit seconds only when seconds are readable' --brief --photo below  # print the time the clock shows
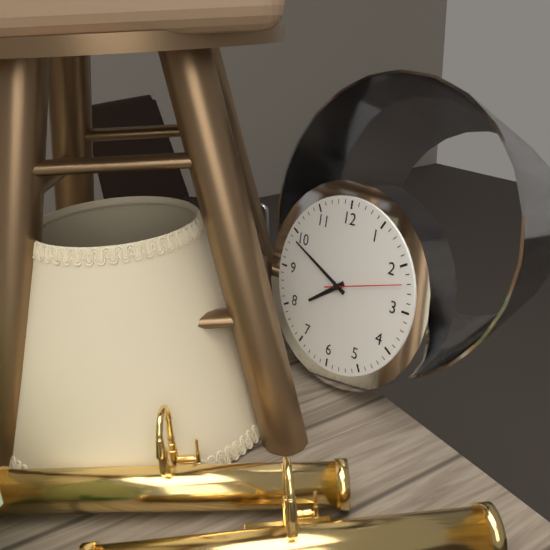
7.49.12
